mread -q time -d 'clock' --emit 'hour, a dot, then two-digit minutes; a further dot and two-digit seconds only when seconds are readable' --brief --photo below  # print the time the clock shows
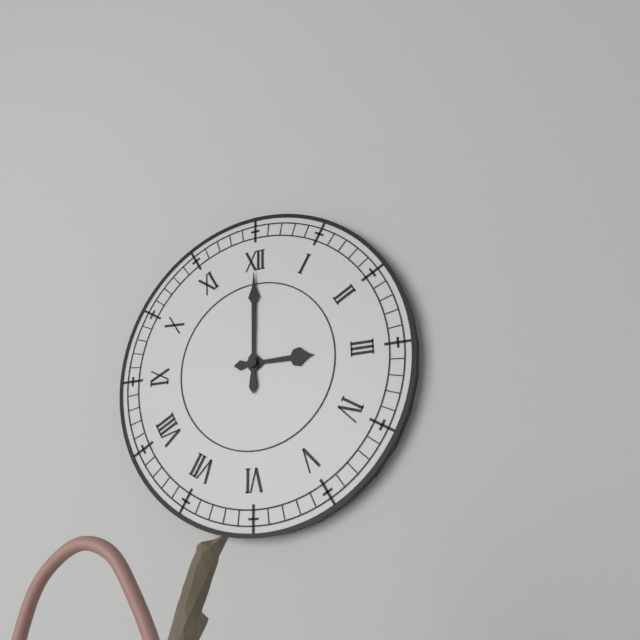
3.00
